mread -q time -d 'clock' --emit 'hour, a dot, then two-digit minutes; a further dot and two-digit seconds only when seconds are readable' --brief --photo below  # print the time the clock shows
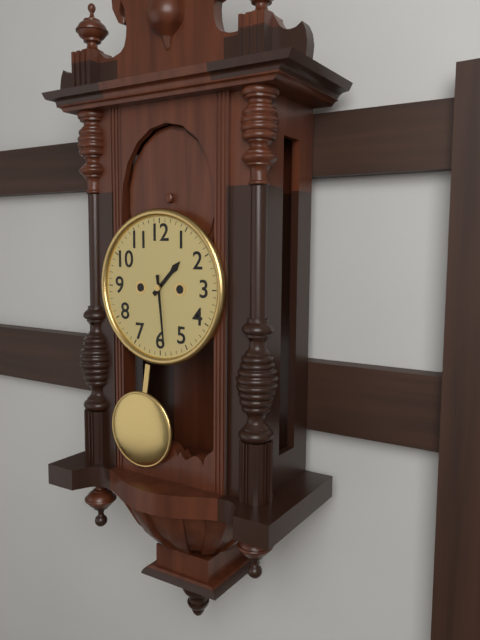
1.29
